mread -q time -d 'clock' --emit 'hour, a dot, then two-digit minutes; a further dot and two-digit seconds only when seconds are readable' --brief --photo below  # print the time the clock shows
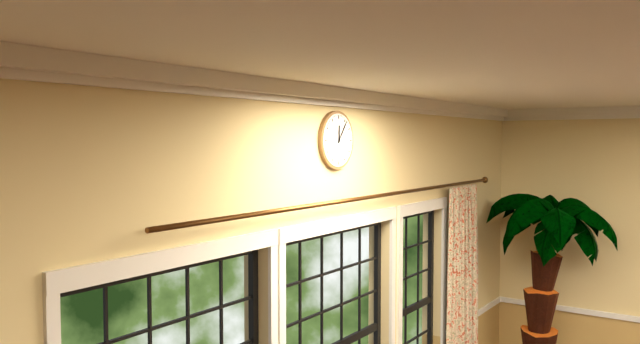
12.06
